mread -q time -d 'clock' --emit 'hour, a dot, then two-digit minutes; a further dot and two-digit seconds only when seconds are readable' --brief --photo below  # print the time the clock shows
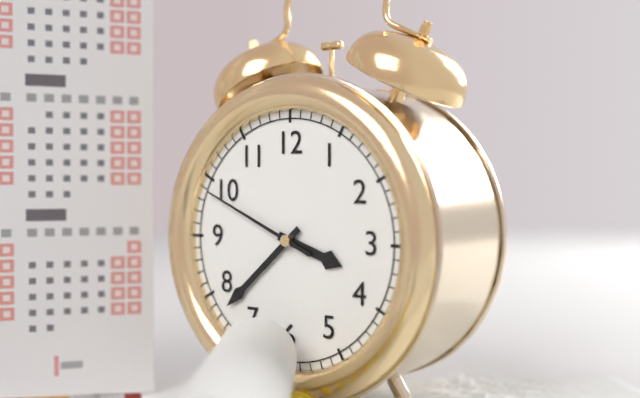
3.38.49
